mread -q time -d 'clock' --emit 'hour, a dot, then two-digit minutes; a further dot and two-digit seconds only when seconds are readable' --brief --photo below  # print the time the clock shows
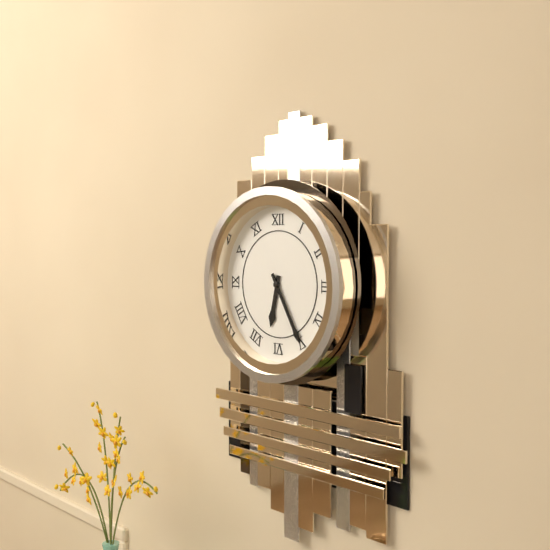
6.25
